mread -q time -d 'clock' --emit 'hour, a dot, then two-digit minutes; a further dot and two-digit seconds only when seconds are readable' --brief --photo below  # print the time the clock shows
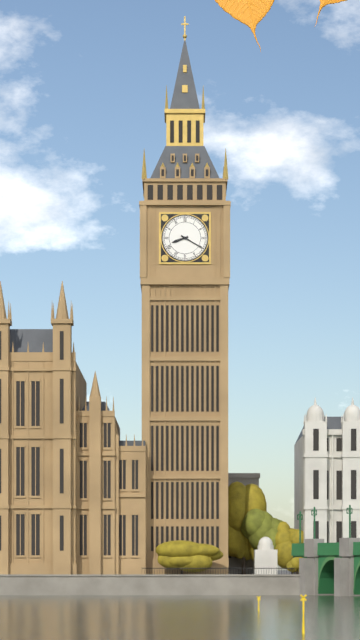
8.20
